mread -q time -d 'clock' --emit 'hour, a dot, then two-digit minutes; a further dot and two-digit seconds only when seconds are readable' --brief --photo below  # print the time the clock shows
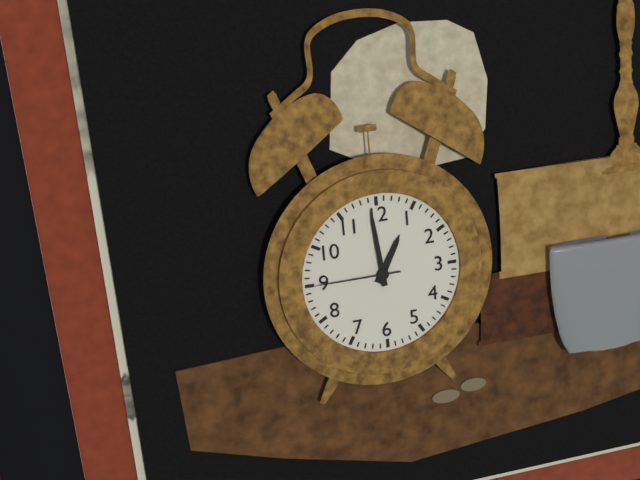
12.59.45
